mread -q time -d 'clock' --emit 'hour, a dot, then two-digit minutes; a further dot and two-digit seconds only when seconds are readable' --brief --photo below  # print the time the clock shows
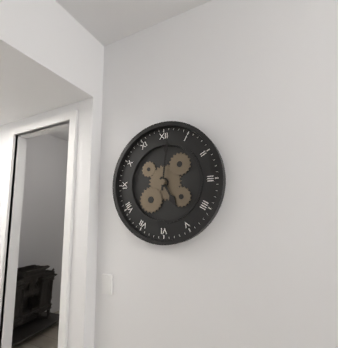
5.01
